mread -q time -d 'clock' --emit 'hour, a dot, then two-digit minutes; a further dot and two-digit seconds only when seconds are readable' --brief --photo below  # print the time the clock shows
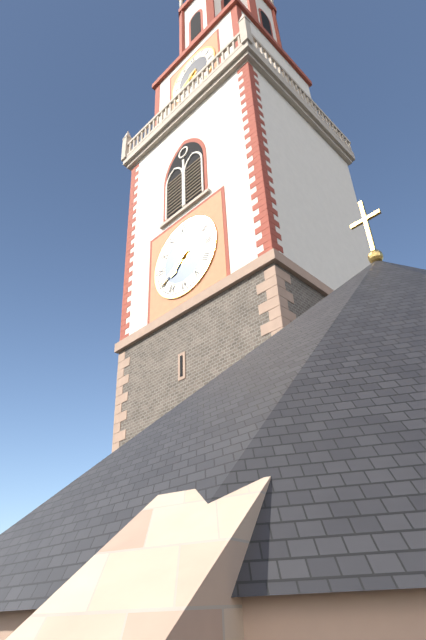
7.40
